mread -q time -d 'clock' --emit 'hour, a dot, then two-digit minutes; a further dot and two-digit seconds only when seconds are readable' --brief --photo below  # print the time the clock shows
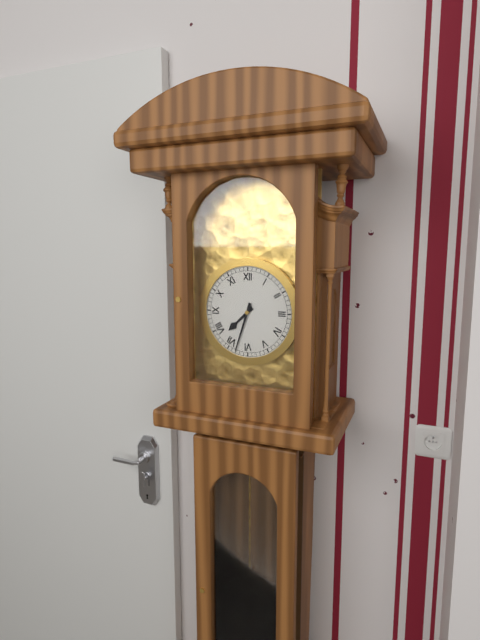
7.33
